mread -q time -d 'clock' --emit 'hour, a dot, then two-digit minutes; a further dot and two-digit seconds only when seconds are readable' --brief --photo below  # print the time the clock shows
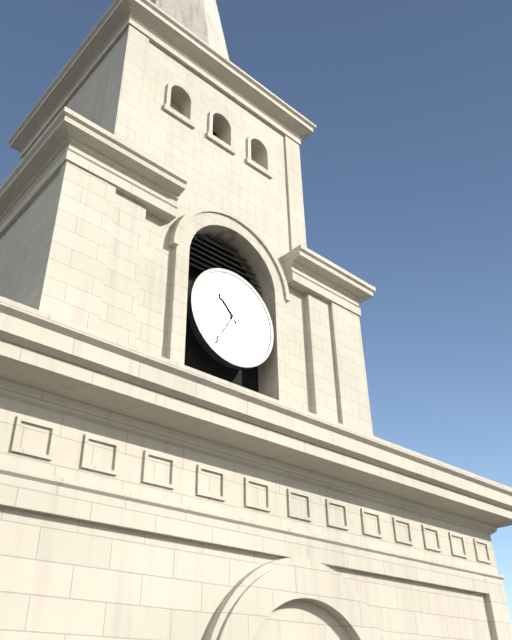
10.35
